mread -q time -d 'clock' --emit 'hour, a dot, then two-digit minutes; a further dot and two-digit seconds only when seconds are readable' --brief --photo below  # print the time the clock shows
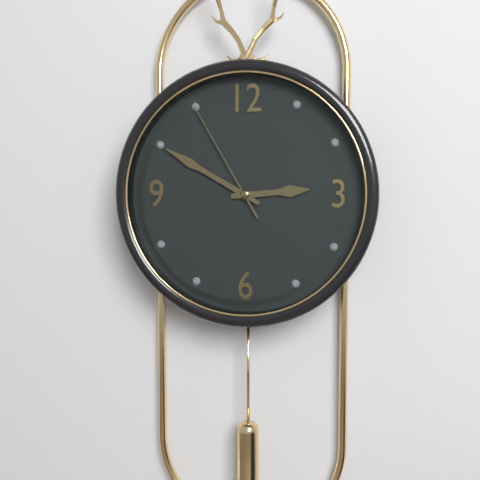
2.50.55
